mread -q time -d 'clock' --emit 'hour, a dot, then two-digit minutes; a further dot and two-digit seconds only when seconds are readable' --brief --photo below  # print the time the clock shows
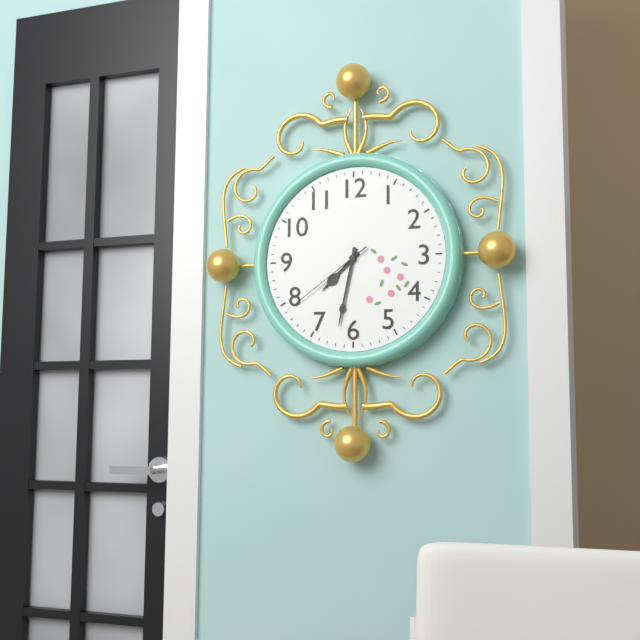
7.32.39
